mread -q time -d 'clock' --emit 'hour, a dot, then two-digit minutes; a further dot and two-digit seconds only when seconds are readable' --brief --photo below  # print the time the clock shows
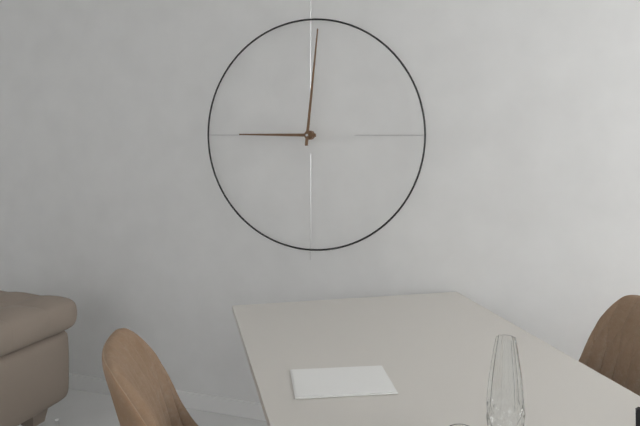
9.01
